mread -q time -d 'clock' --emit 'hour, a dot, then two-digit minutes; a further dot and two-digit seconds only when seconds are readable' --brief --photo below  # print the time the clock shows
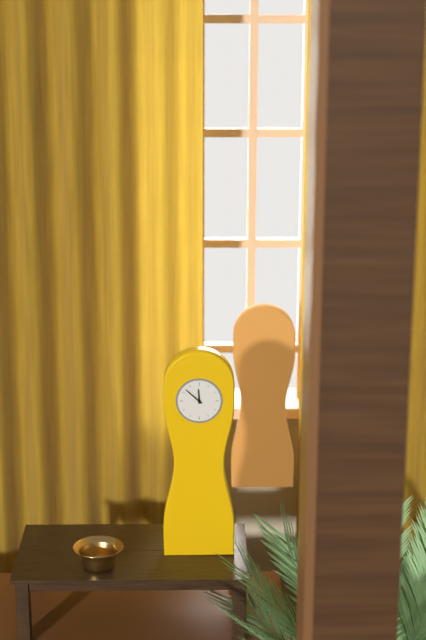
11.52
